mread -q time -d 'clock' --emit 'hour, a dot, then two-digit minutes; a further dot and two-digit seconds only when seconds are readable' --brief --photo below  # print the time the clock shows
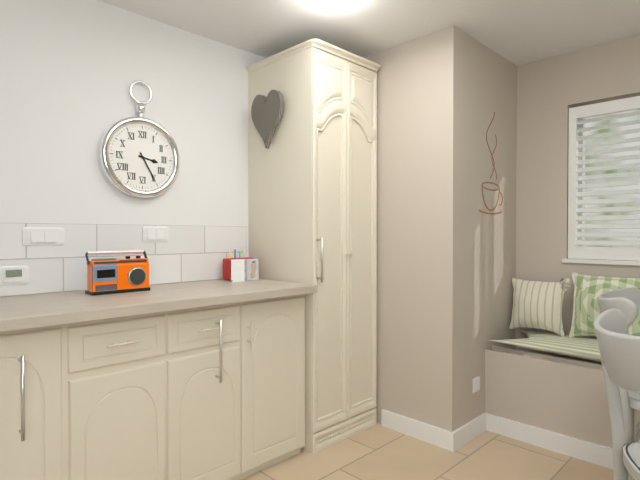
3.25
